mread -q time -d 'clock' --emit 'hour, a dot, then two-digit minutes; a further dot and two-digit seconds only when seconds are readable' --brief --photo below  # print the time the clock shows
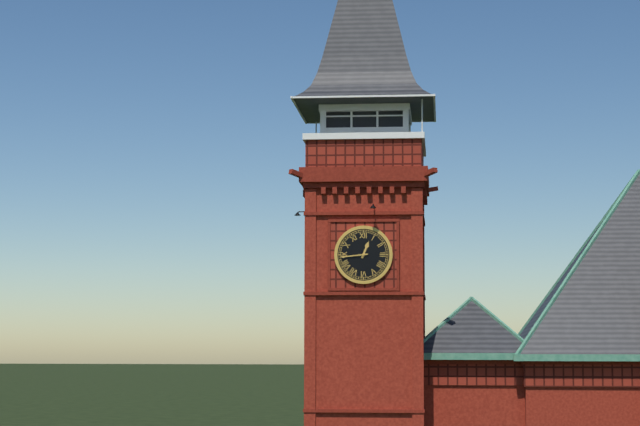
12.44
